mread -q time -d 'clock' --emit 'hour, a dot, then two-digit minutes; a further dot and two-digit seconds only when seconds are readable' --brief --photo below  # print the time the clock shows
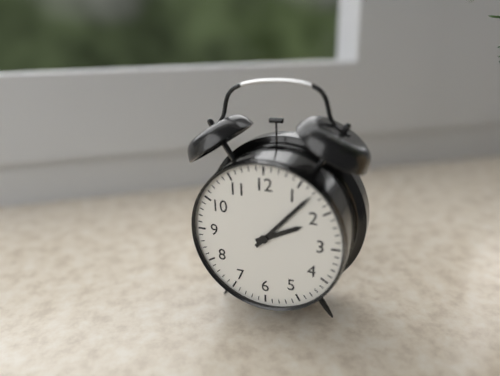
2.07
